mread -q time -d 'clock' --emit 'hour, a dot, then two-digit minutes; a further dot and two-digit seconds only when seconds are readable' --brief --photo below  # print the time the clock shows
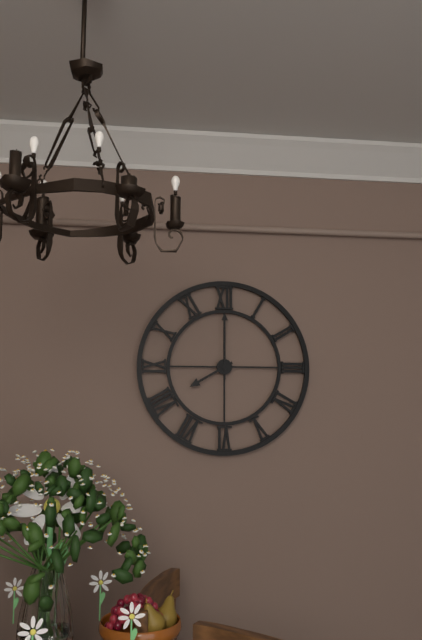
8.00
